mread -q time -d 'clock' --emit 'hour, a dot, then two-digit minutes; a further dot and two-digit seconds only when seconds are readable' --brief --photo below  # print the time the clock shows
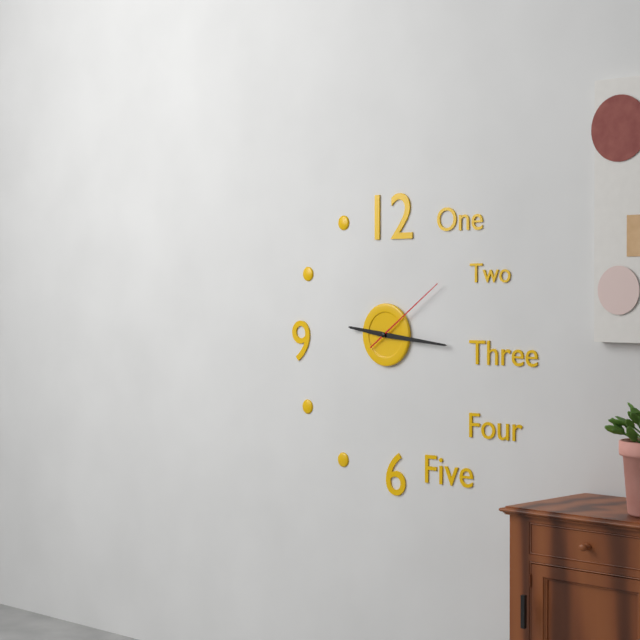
9.16.09
